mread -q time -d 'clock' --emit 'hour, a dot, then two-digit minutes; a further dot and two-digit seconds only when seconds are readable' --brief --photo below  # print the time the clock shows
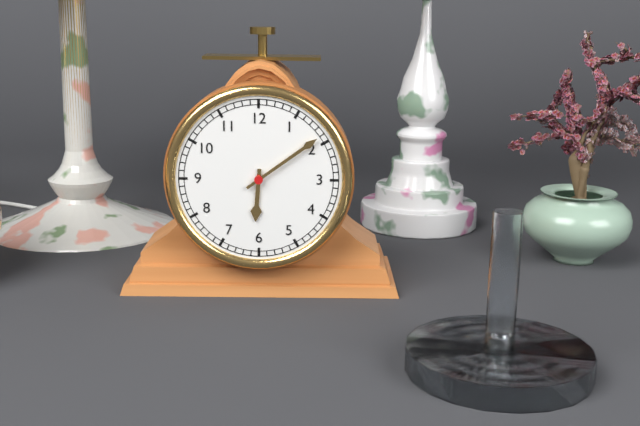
6.09
